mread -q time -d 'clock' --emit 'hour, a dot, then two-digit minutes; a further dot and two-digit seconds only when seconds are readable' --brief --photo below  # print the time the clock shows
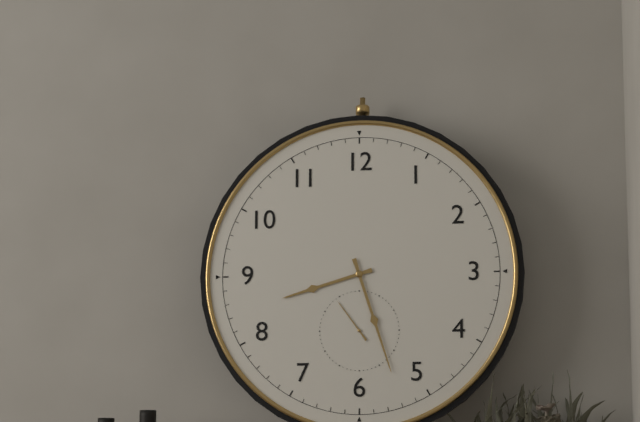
8.27
